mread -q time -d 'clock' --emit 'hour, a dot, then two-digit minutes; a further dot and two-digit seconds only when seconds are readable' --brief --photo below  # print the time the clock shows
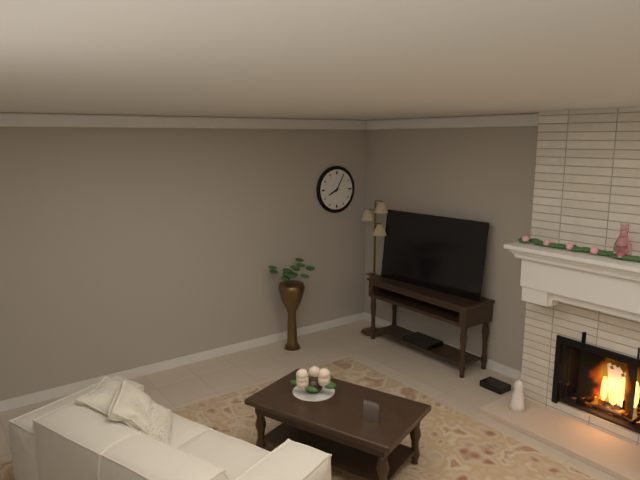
8.05
